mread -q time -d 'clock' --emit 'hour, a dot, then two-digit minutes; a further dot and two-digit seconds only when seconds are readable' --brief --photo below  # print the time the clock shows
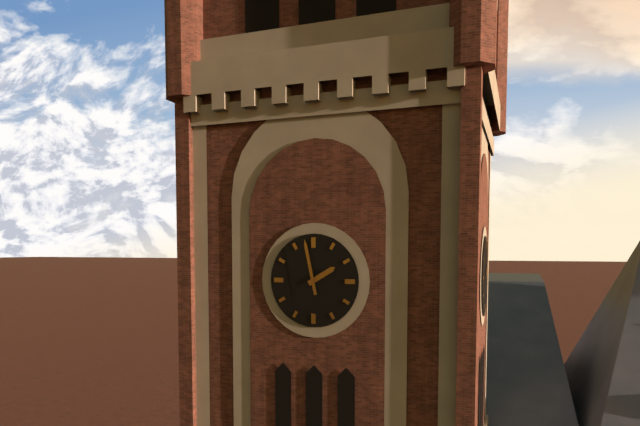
1.58
